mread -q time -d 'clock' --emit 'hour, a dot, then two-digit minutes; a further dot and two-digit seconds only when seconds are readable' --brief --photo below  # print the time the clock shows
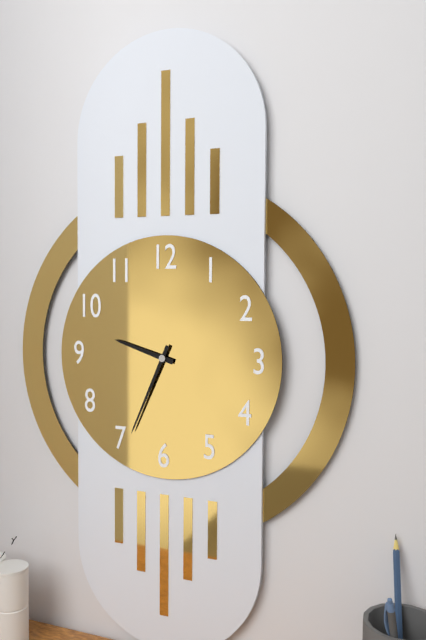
9.34
